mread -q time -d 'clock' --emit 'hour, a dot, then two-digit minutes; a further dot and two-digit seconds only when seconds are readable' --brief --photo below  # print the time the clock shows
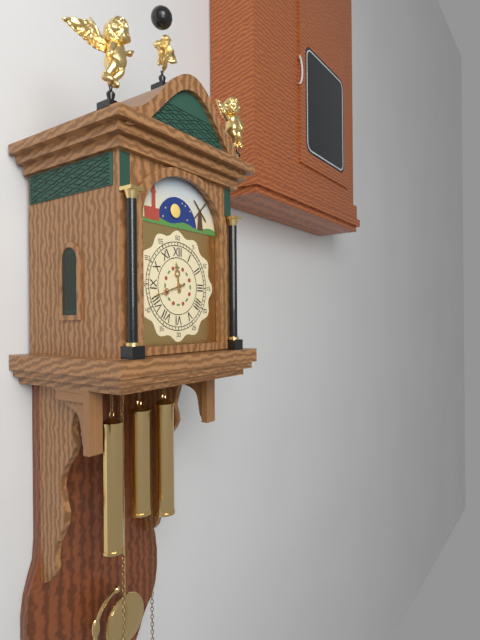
11.42
